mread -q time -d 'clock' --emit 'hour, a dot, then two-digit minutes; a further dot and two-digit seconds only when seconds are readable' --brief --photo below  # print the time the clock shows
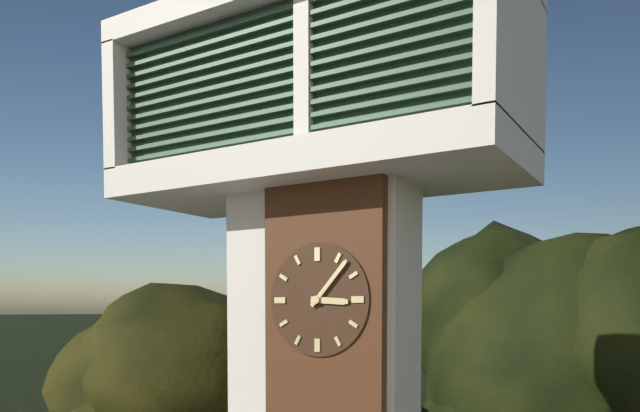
3.07
